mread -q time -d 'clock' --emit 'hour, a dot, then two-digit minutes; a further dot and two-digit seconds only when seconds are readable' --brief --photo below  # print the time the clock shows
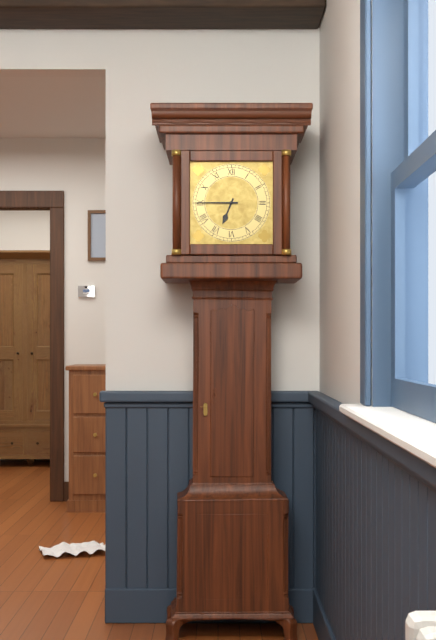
6.45
